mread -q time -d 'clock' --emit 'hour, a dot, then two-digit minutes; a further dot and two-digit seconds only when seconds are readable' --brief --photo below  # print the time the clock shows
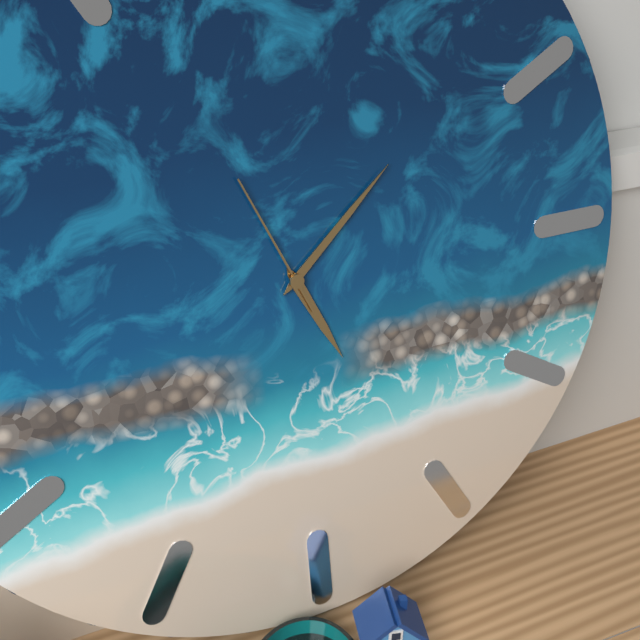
5.08.56
